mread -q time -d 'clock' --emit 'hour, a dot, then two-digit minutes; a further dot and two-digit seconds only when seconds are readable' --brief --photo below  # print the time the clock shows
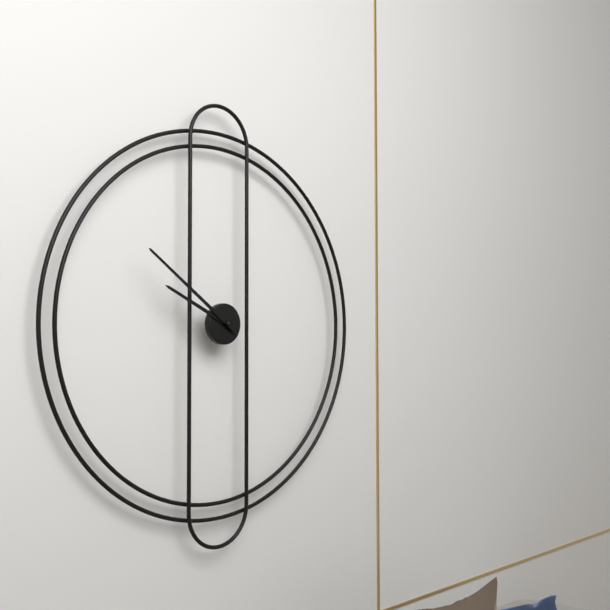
9.51
